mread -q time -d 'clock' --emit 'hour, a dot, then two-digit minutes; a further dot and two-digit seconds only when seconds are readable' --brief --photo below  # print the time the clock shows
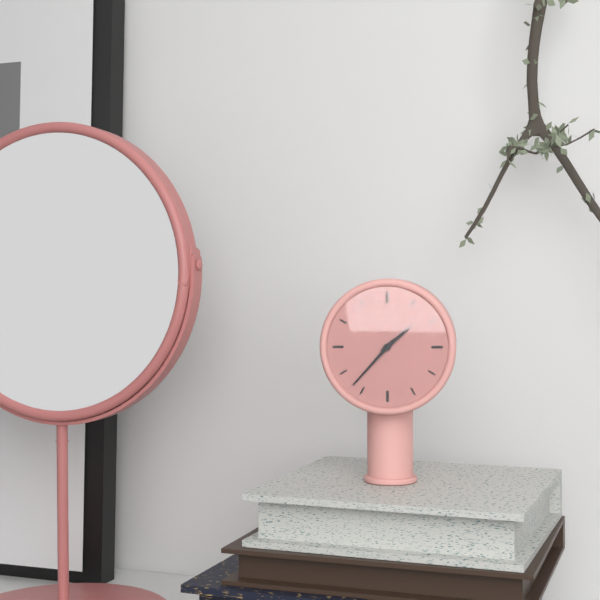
1.37
